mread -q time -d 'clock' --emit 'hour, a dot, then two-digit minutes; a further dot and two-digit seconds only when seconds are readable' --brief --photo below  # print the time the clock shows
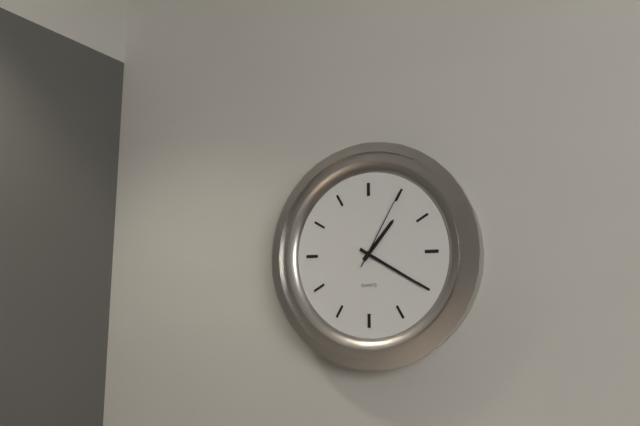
1.20.05
